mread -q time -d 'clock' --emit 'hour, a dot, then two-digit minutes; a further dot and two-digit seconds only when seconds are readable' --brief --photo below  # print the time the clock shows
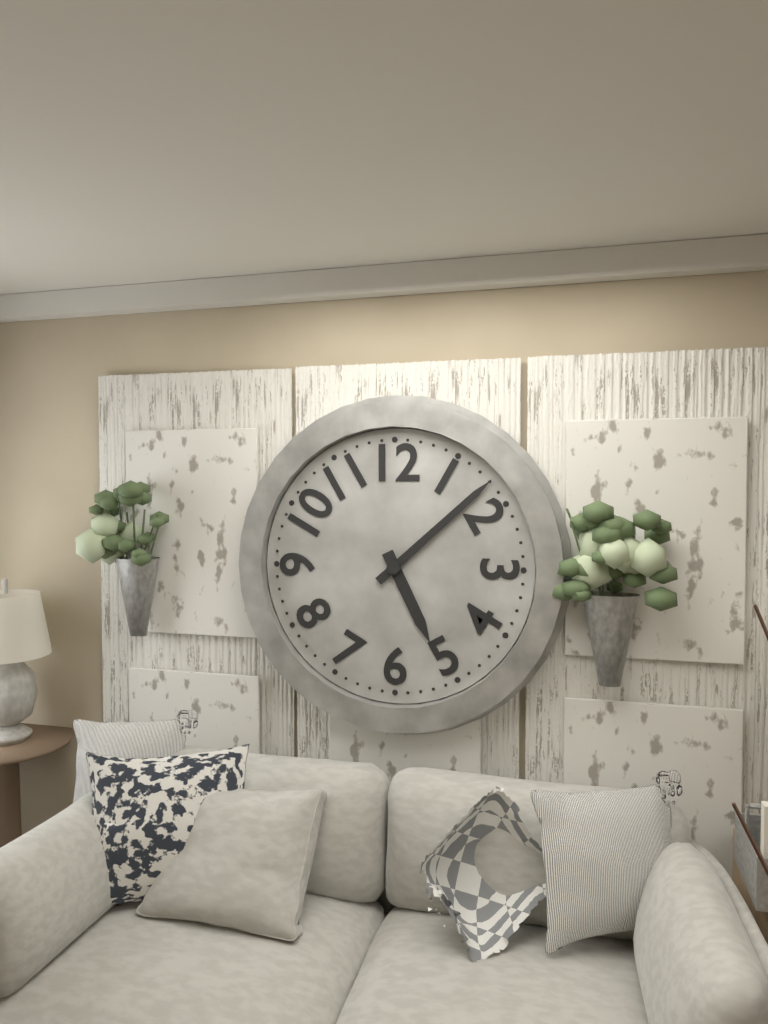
5.08
